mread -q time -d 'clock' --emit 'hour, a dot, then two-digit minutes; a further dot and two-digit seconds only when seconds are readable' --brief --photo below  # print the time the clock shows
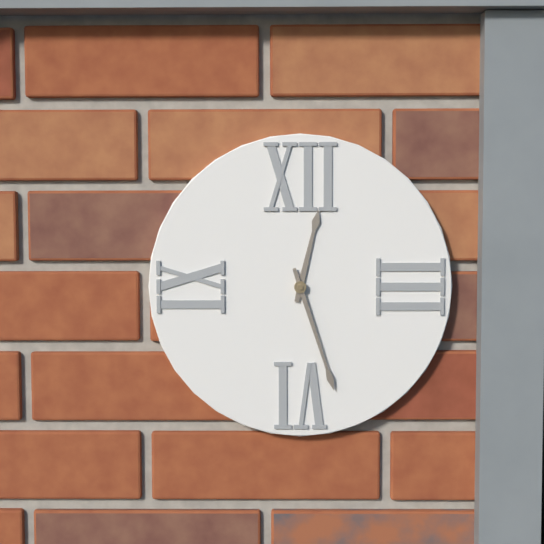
12.27
